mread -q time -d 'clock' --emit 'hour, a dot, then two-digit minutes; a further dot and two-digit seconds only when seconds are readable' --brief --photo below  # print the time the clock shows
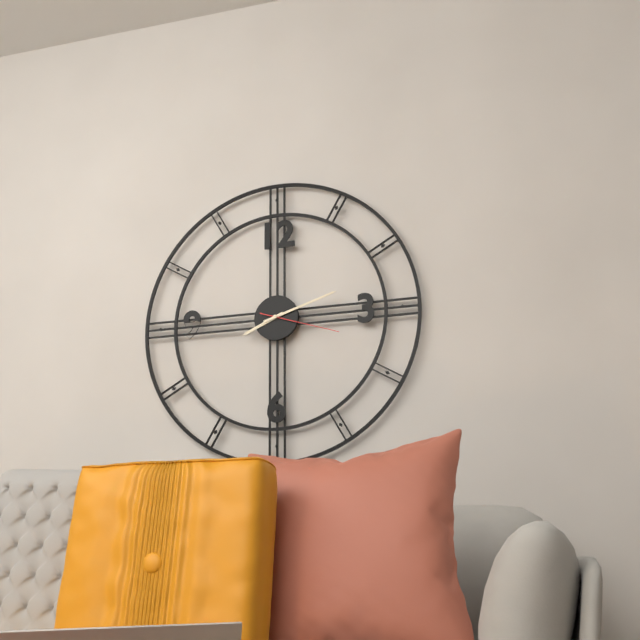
8.12.18
